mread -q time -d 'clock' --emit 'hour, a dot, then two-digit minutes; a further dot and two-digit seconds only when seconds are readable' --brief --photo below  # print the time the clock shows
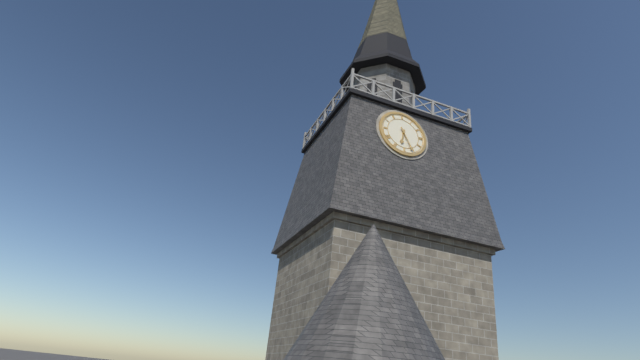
6.26
